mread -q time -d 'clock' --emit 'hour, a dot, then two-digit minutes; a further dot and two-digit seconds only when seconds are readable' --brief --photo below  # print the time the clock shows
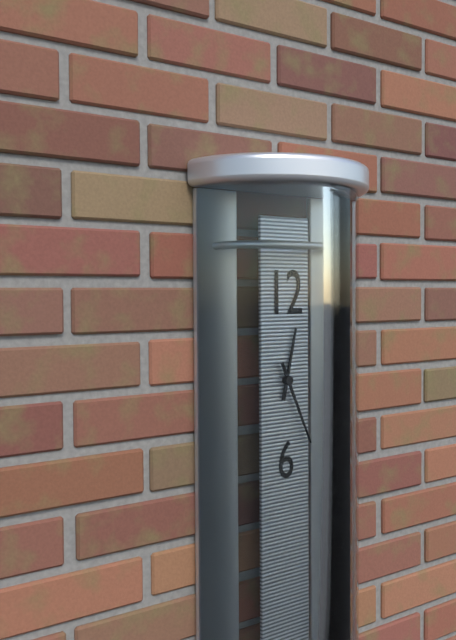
12.26
